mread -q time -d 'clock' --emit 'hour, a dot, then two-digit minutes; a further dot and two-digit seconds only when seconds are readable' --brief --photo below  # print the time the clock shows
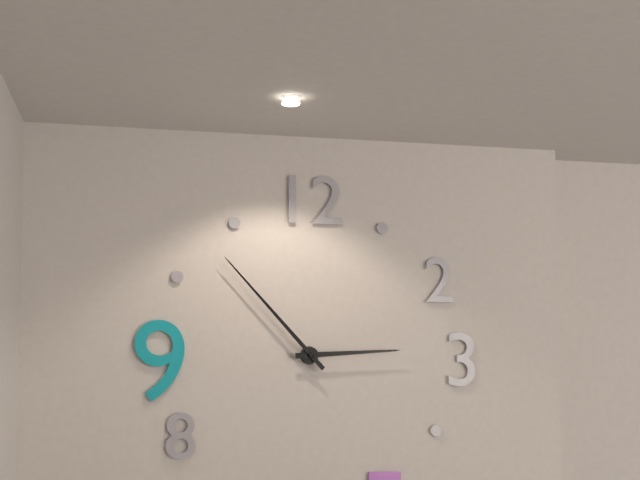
2.53
